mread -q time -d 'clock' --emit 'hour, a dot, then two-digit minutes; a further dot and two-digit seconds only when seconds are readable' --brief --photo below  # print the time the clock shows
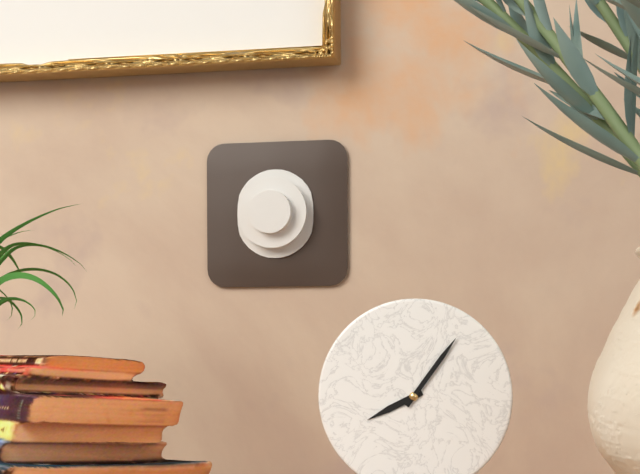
8.06
